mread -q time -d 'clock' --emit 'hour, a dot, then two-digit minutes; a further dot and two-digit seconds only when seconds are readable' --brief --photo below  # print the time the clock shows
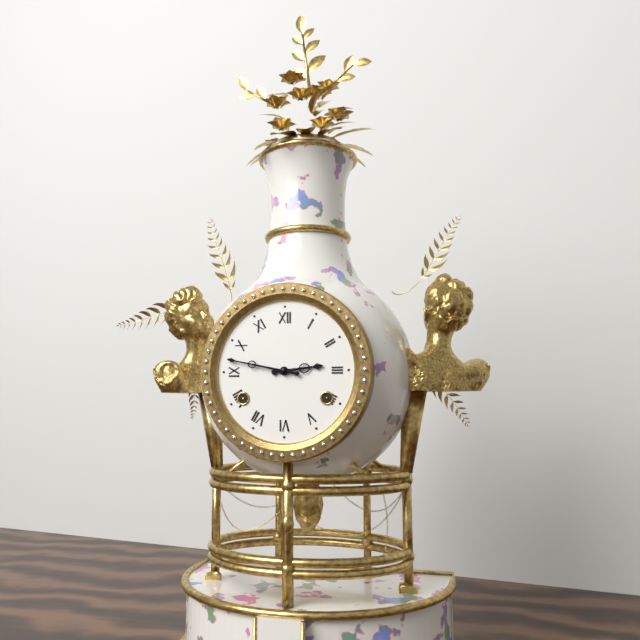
2.47
